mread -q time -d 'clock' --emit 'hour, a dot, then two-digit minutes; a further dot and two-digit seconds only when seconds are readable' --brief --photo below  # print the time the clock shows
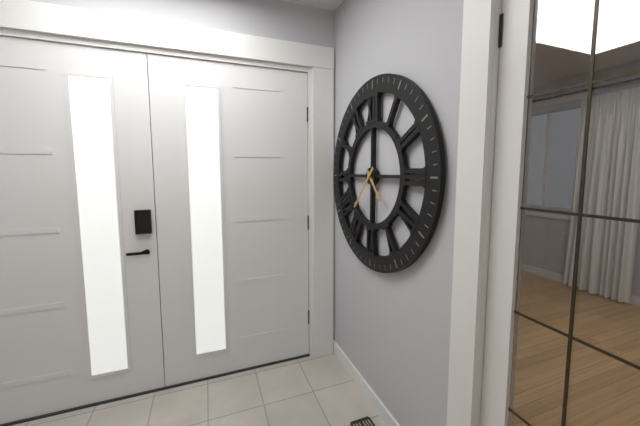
4.37
